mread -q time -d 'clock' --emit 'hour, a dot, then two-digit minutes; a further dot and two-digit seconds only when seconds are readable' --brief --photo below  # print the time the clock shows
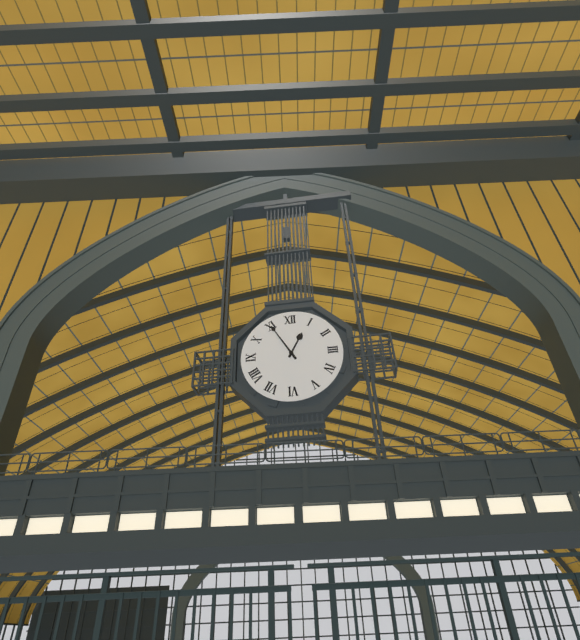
12.55
